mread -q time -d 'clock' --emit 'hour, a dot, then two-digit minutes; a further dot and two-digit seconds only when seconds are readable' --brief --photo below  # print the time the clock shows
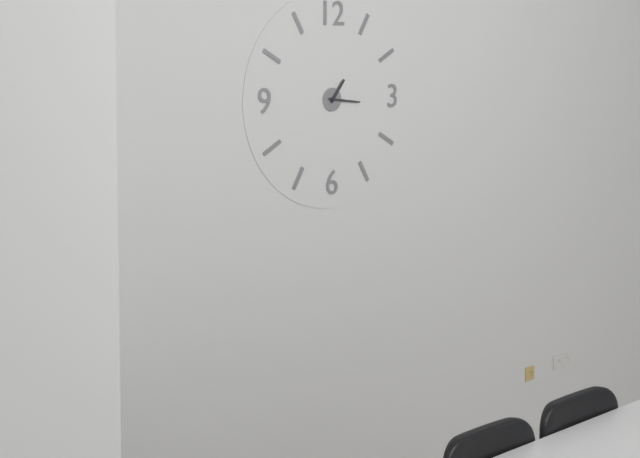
1.16
